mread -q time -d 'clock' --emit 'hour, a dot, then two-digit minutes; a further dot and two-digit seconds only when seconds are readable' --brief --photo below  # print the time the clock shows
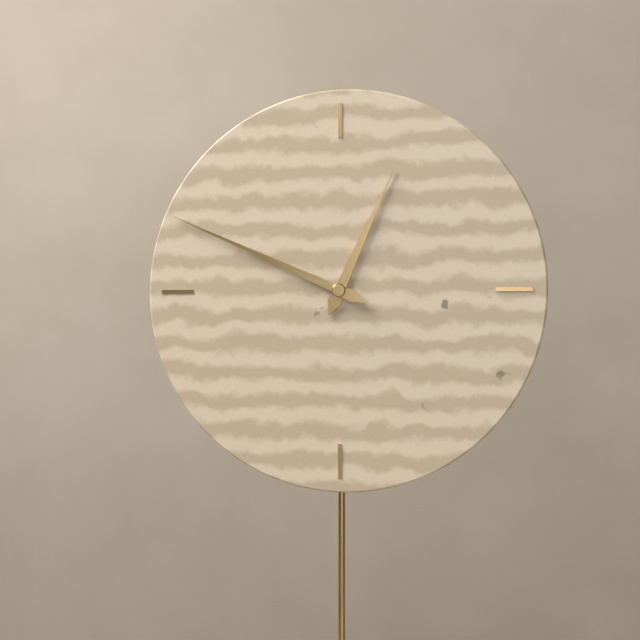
12.49
